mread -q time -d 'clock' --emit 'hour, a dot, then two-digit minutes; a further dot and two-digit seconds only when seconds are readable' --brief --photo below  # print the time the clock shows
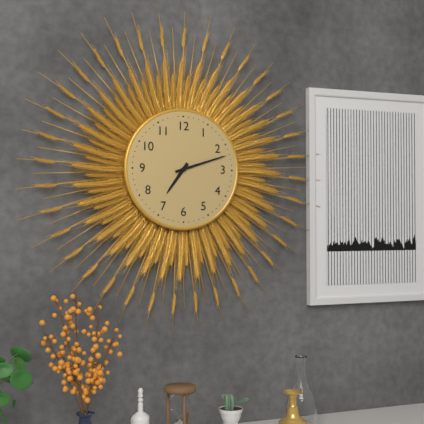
7.12
